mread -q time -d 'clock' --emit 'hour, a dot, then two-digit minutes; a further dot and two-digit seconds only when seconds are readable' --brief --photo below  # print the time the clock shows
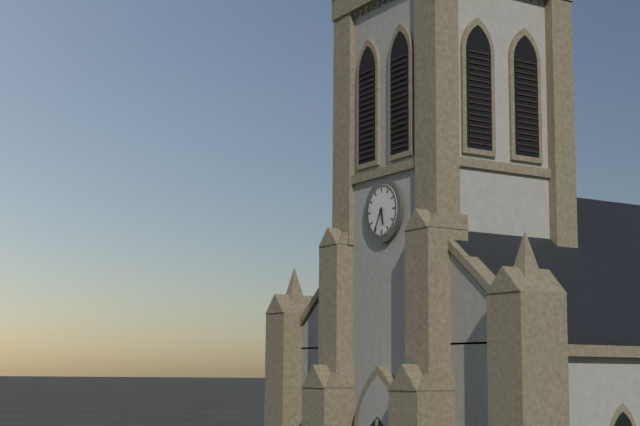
5.35
